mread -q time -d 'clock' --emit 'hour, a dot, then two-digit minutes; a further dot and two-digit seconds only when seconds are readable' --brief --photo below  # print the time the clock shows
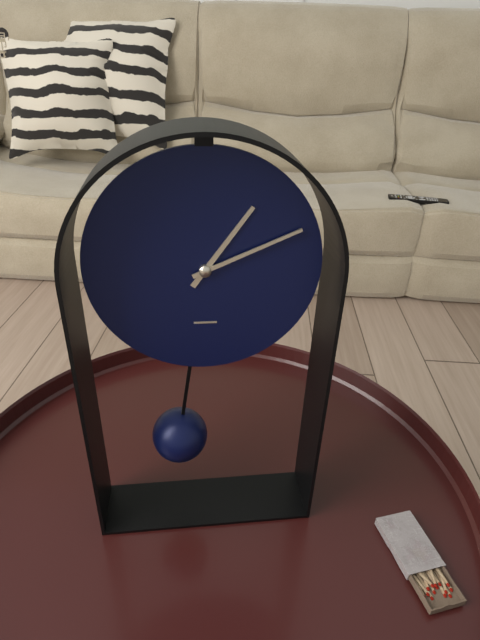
1.11
